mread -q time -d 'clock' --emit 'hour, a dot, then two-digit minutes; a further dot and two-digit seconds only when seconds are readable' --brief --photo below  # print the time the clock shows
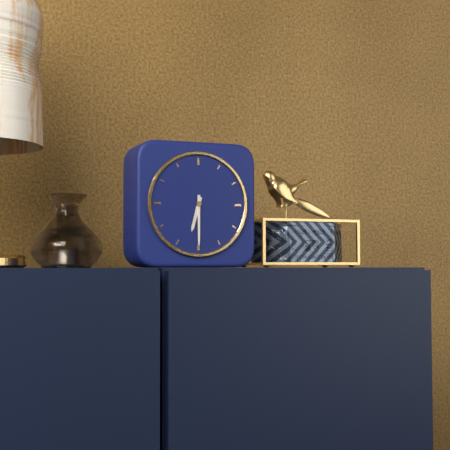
6.30
